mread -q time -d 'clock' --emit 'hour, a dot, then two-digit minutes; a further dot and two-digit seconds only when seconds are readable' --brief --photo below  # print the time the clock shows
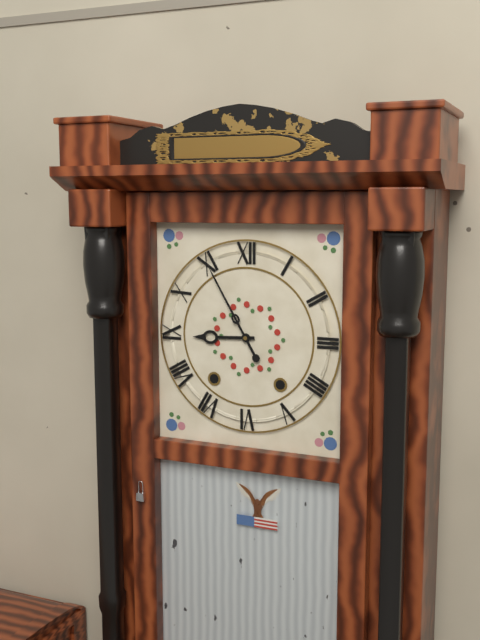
8.55
